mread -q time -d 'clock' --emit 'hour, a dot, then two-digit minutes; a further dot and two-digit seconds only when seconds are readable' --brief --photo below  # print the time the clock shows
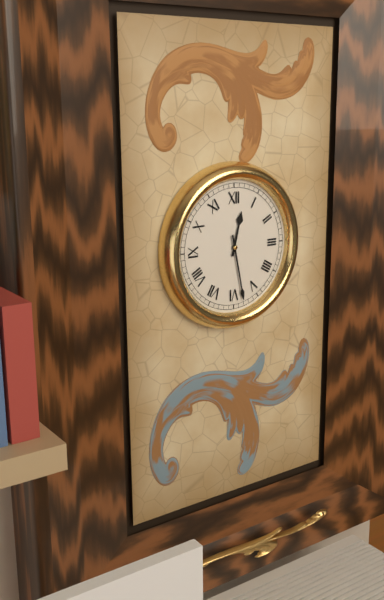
12.28
